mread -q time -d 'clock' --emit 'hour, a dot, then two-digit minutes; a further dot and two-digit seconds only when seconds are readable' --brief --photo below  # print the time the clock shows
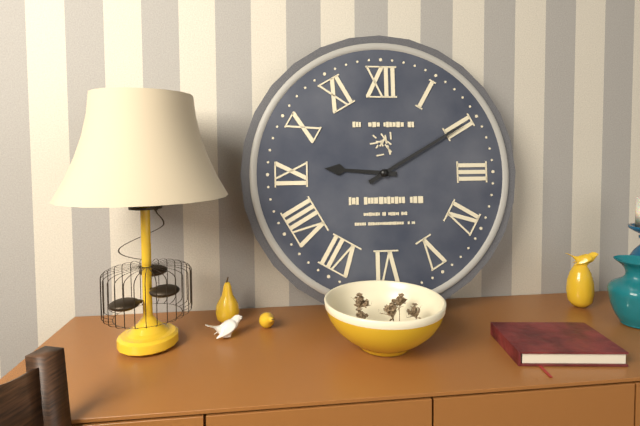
9.10
